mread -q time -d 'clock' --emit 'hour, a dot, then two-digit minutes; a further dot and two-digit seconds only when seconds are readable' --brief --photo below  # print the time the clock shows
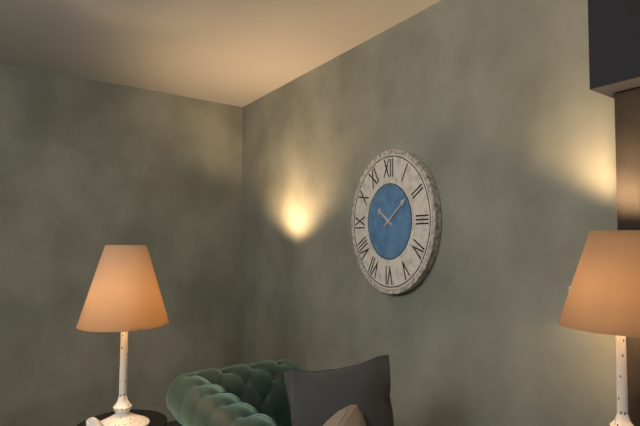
10.09
